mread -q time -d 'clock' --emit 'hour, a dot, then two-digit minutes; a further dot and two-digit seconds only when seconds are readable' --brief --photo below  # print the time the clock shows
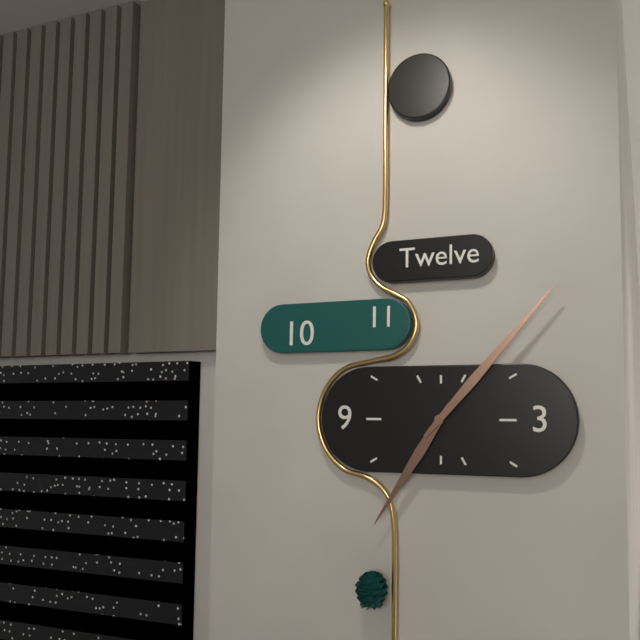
7.07
